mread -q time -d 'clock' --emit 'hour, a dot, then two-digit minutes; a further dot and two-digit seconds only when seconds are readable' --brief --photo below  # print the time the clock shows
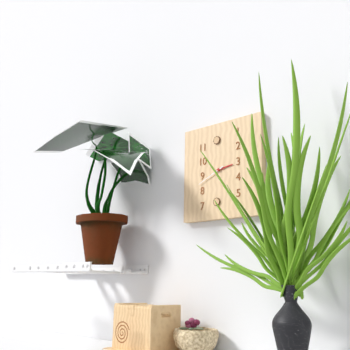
2.41
